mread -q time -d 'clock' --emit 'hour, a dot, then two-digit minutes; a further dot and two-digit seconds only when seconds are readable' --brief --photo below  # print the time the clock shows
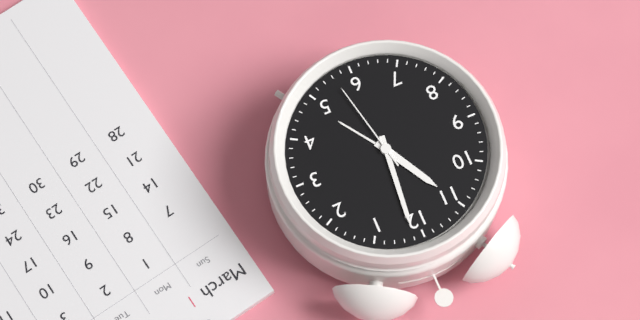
11.01.28
